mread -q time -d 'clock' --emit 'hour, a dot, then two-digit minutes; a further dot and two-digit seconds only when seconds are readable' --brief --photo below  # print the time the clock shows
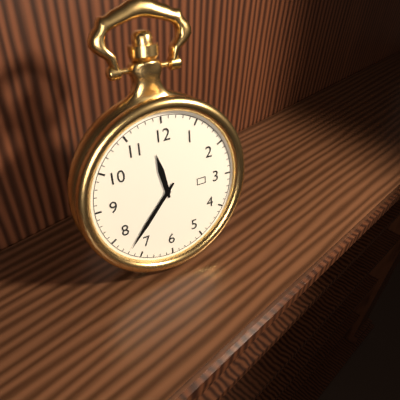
11.37
